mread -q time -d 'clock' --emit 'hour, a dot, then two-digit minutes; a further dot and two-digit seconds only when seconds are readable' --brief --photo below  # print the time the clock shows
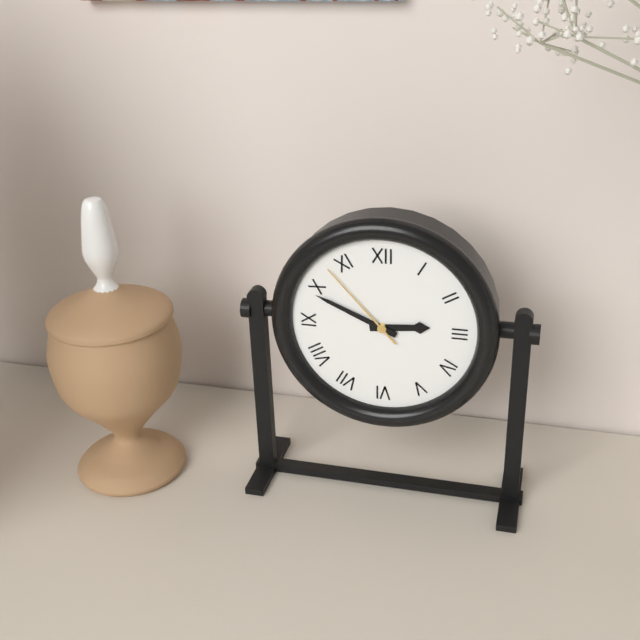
2.49.53
